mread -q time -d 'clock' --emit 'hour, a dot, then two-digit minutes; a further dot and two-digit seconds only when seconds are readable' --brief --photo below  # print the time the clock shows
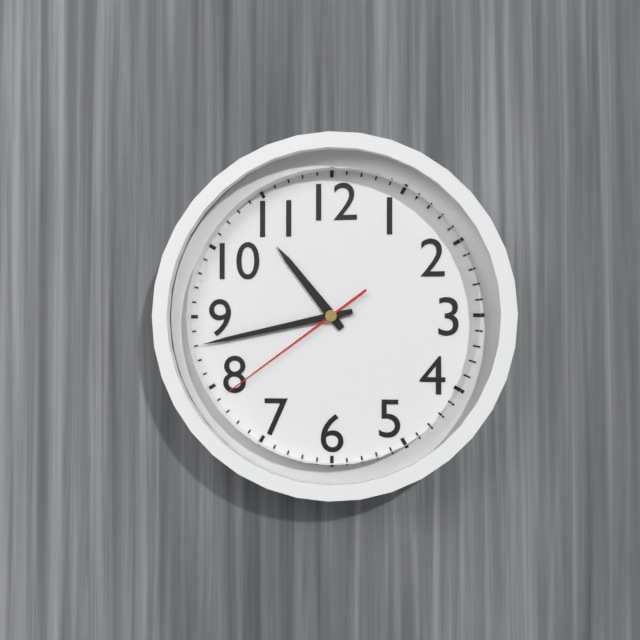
10.43.39
